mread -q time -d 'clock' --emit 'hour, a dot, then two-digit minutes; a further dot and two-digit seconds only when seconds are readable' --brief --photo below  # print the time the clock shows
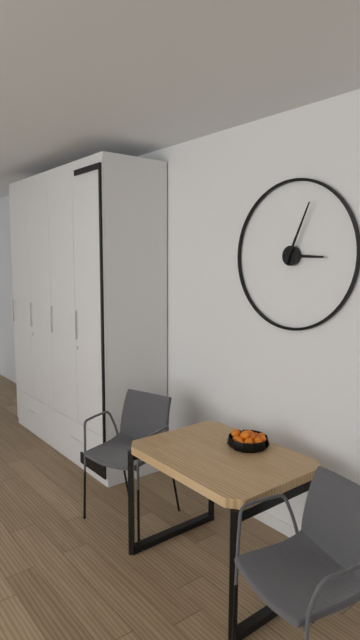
3.04
